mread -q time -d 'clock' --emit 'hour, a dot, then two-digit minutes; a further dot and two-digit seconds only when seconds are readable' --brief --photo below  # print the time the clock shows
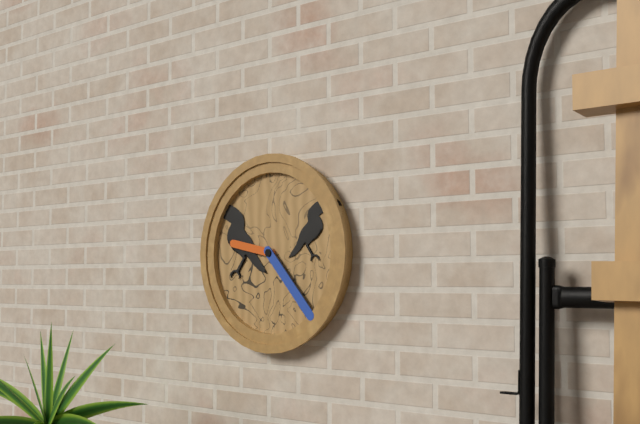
9.23
